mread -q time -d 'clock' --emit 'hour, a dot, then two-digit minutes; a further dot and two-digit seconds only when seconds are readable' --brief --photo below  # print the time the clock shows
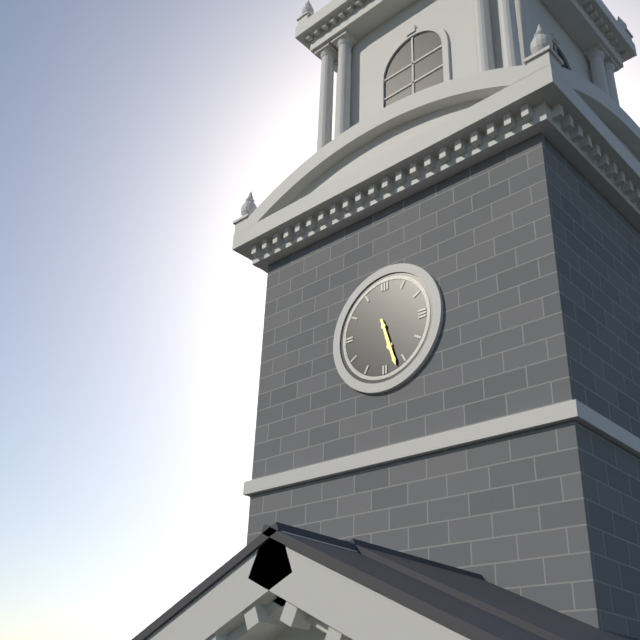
5.27
